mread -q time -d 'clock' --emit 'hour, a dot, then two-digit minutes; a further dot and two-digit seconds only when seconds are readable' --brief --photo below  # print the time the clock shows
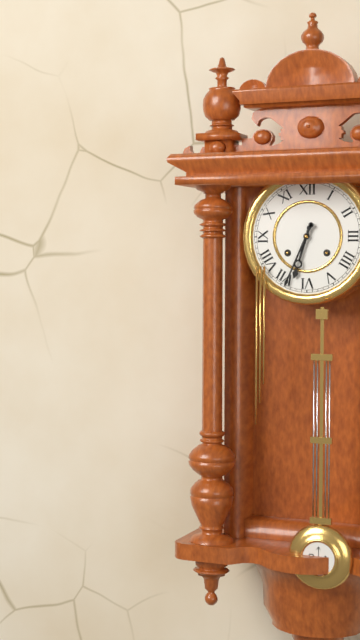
6.34
